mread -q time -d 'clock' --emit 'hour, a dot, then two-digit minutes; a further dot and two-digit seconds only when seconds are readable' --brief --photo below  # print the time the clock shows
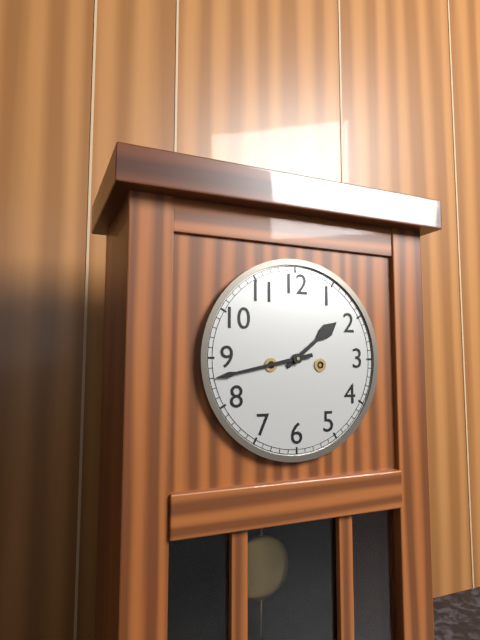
1.43
